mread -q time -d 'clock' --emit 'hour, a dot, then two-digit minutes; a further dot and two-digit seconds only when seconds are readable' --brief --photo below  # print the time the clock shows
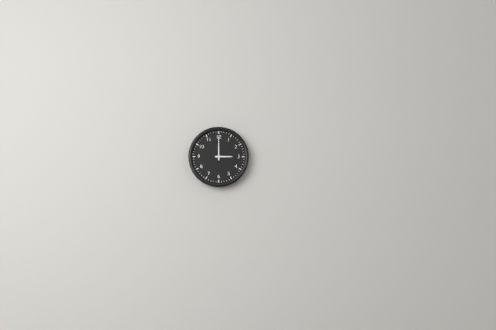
3.00
